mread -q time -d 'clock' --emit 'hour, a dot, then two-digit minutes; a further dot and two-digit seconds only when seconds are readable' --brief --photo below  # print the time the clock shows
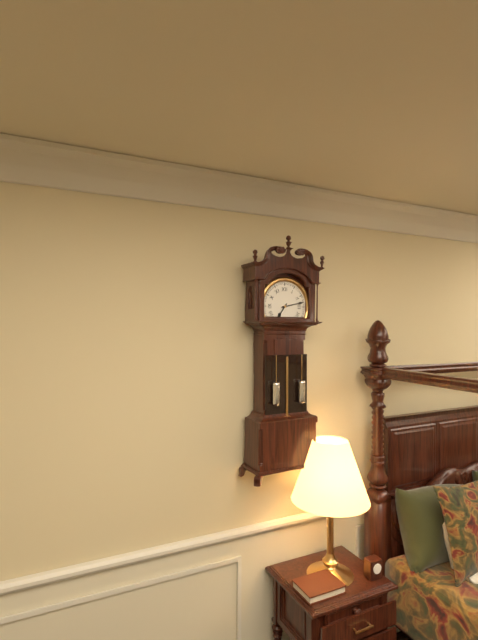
7.13
